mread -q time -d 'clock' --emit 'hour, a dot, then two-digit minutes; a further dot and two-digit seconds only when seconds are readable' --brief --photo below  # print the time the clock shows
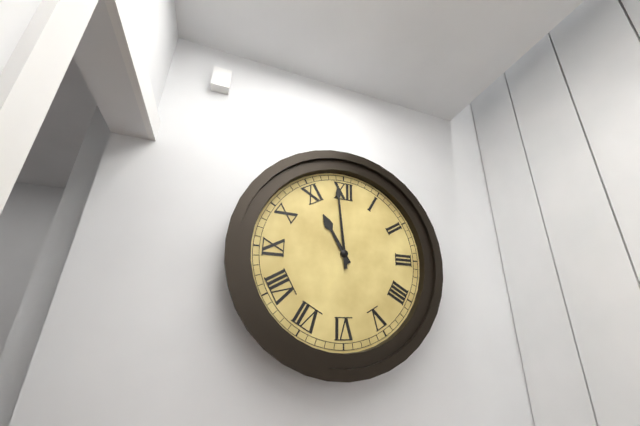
10.59
